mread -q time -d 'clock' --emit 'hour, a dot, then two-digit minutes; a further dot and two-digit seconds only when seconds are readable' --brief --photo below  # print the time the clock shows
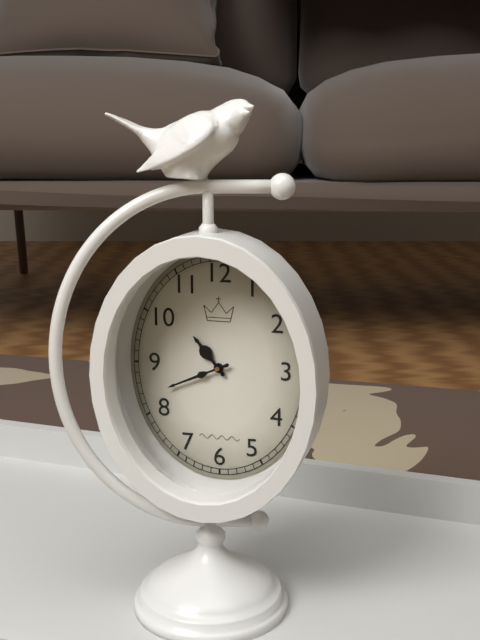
10.41
